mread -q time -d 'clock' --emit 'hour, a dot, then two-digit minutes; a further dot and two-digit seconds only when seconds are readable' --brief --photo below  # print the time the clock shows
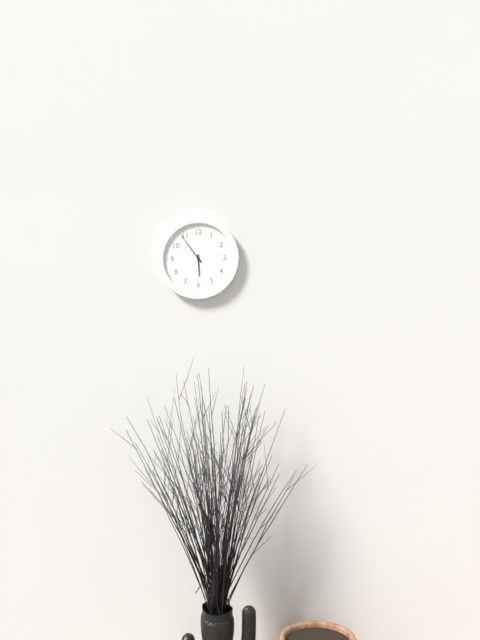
5.54
